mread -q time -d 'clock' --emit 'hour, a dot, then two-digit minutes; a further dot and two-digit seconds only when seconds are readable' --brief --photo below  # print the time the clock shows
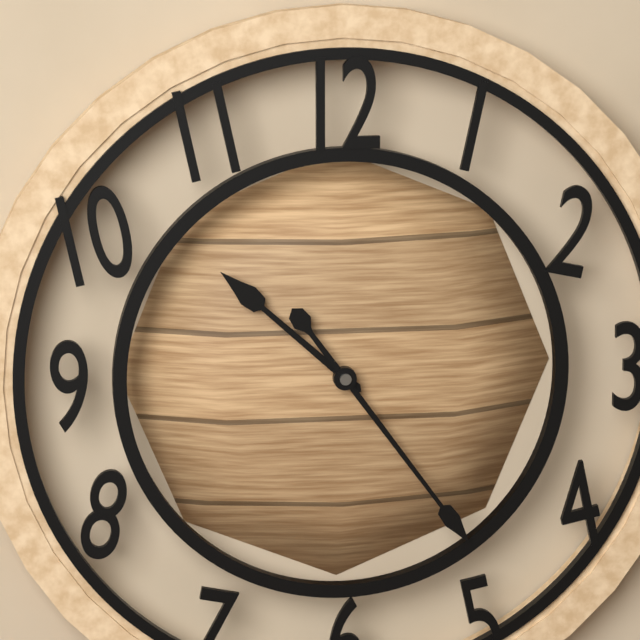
10.24
